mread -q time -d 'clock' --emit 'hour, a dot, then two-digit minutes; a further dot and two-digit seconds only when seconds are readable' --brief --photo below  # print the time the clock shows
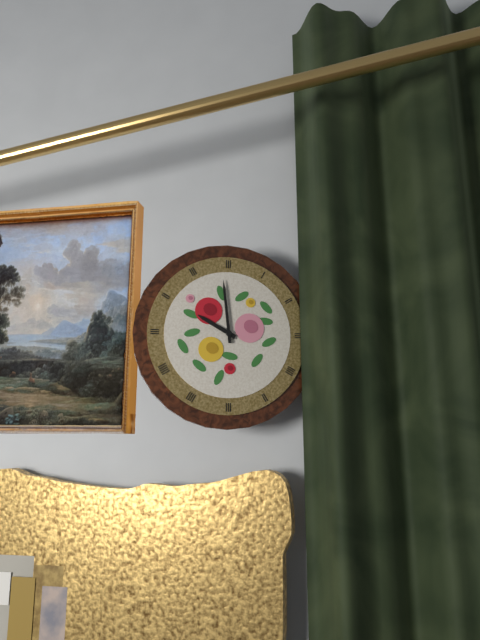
9.59
